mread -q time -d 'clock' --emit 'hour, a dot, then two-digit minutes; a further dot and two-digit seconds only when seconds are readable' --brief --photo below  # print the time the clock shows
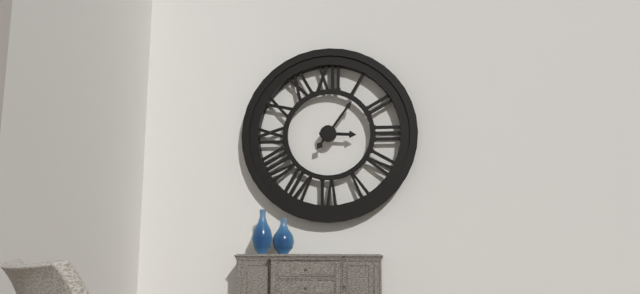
3.06
